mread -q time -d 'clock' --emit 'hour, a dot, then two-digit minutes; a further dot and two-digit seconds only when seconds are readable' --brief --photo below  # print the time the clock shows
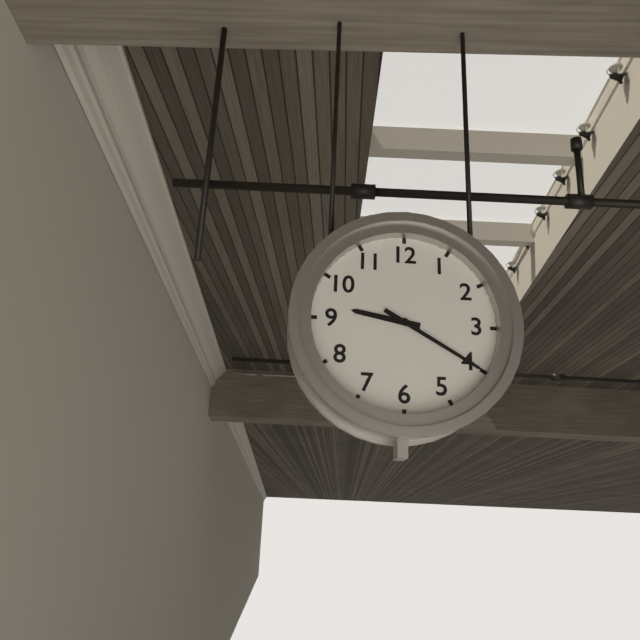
9.20
